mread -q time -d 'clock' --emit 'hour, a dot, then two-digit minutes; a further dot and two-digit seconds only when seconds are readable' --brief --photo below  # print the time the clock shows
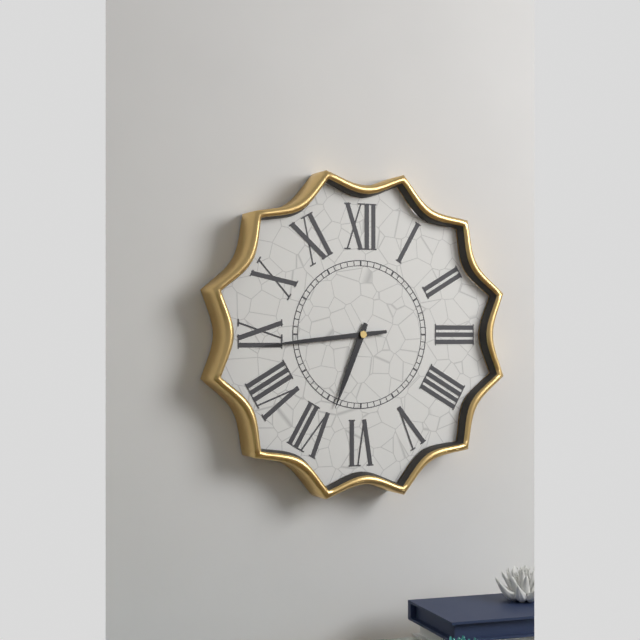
6.44
